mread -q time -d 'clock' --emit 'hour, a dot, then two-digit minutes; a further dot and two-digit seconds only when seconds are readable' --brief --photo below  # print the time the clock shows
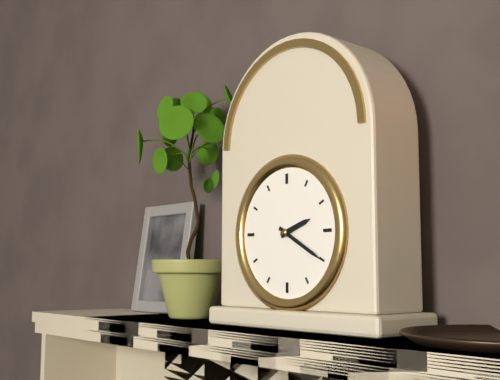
2.20
